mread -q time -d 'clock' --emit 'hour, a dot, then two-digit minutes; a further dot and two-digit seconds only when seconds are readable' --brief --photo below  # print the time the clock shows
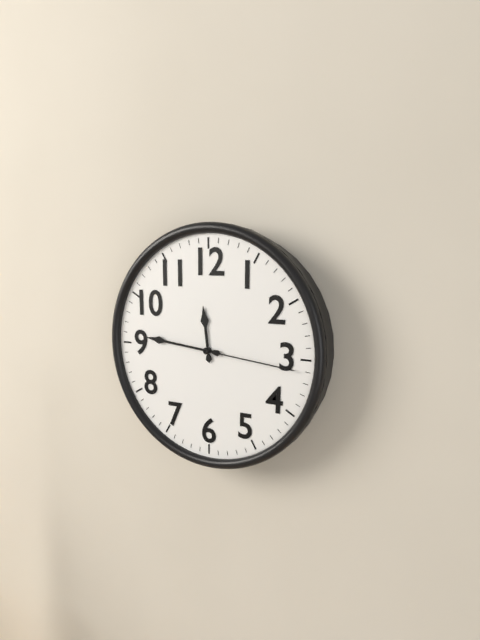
11.46.16
